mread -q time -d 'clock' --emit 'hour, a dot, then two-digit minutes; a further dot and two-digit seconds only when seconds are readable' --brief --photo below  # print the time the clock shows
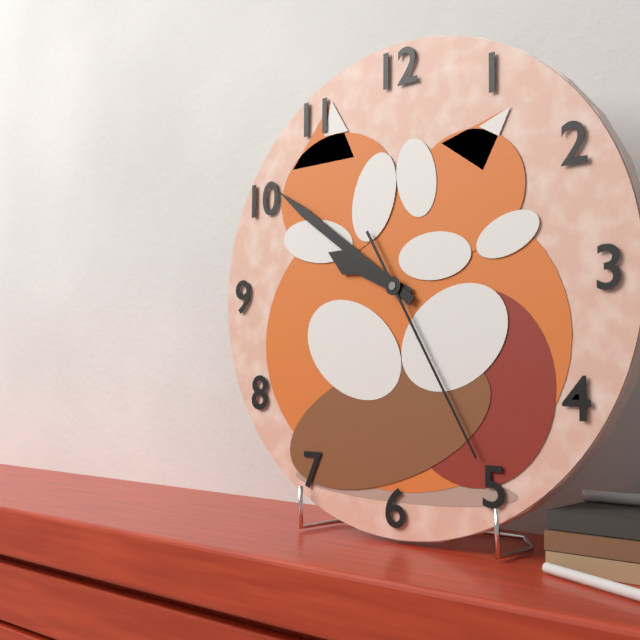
9.51.25
